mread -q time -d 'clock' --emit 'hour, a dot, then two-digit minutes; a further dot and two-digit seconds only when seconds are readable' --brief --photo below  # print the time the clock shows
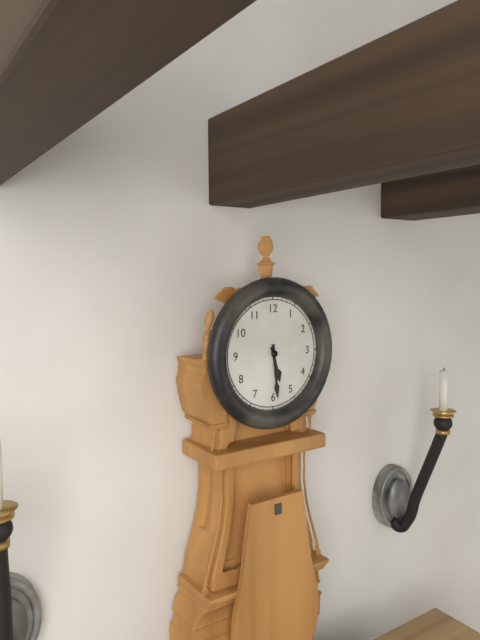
5.29
